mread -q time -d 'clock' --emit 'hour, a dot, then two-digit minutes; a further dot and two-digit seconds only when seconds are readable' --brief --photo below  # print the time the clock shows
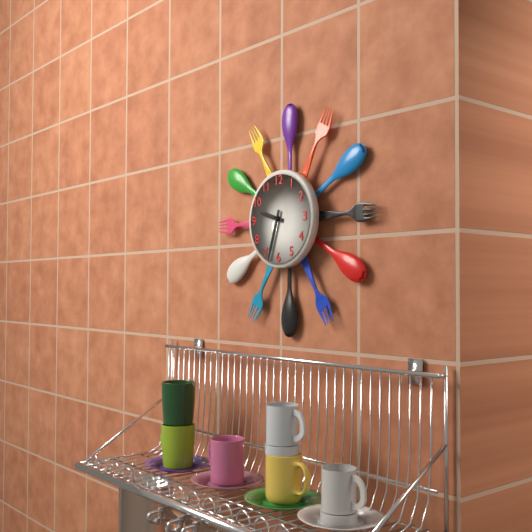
9.33
